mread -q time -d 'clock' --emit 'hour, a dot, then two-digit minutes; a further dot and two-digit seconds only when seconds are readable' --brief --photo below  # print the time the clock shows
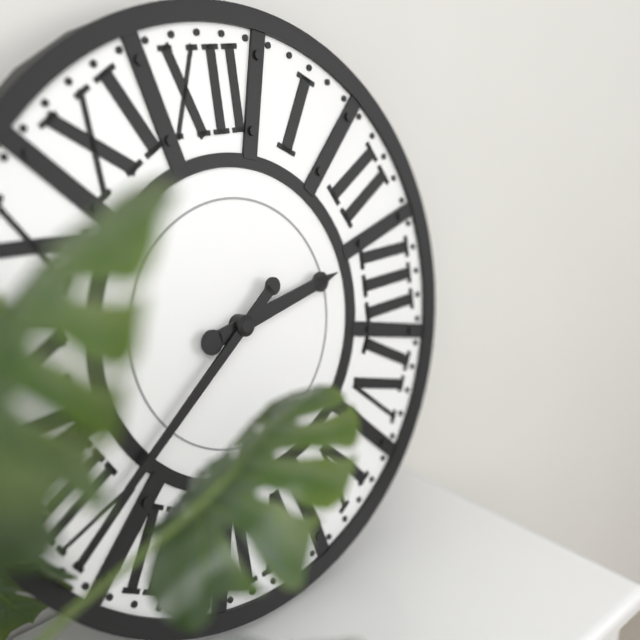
2.39
